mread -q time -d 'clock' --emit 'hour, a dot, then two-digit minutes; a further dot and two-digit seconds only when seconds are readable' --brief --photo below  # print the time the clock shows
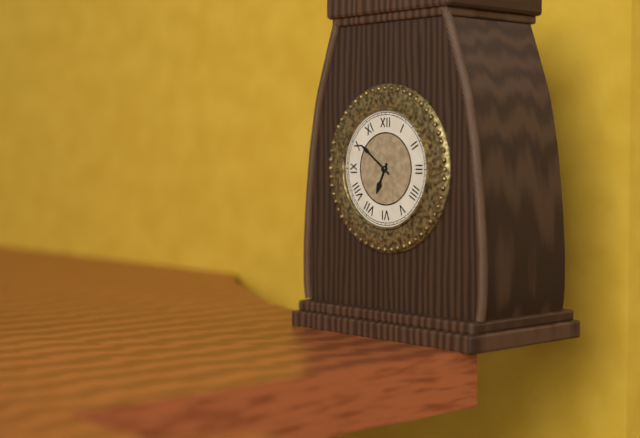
6.51
